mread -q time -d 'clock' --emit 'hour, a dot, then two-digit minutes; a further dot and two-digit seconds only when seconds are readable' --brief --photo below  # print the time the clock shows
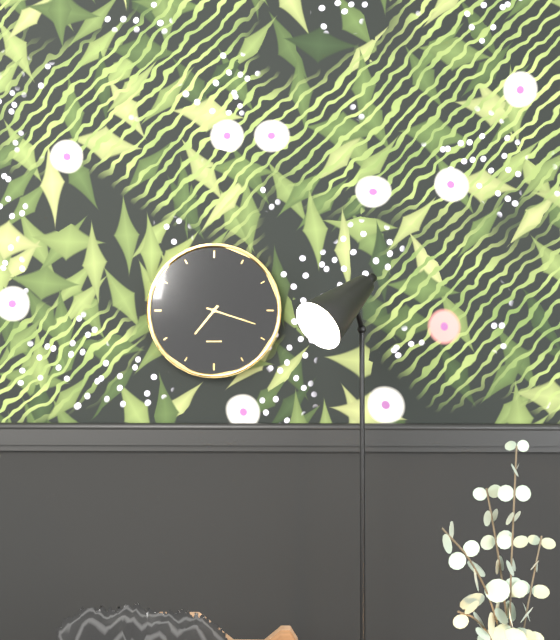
7.18
